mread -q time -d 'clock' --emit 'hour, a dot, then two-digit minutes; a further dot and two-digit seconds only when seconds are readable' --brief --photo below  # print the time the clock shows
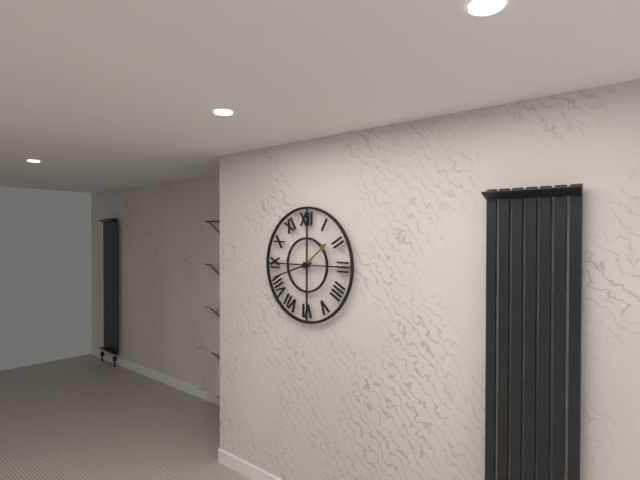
1.42
